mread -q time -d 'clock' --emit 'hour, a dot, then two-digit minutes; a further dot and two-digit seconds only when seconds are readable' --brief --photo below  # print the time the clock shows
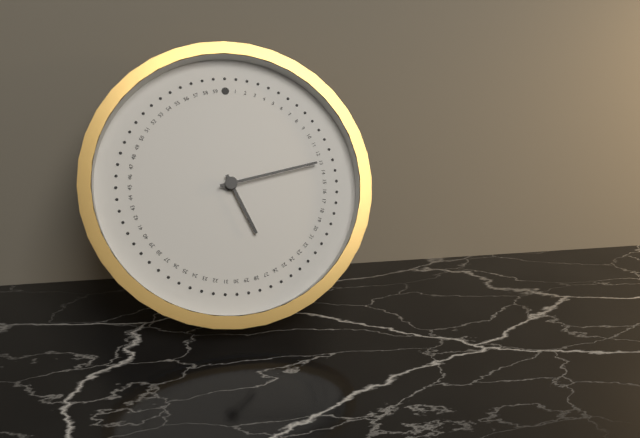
5.13
